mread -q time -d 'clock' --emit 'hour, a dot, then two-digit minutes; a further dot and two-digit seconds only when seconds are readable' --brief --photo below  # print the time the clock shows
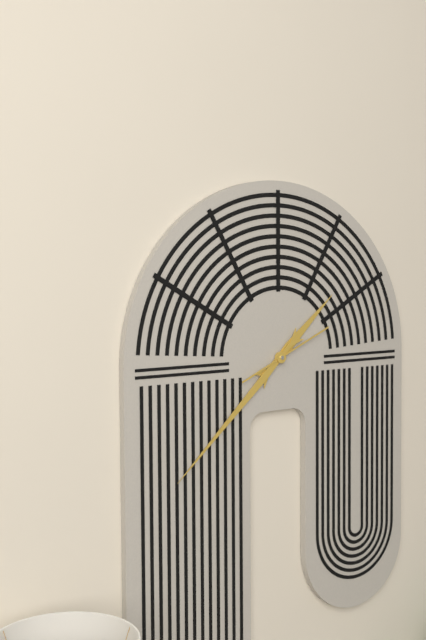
1.38.11
